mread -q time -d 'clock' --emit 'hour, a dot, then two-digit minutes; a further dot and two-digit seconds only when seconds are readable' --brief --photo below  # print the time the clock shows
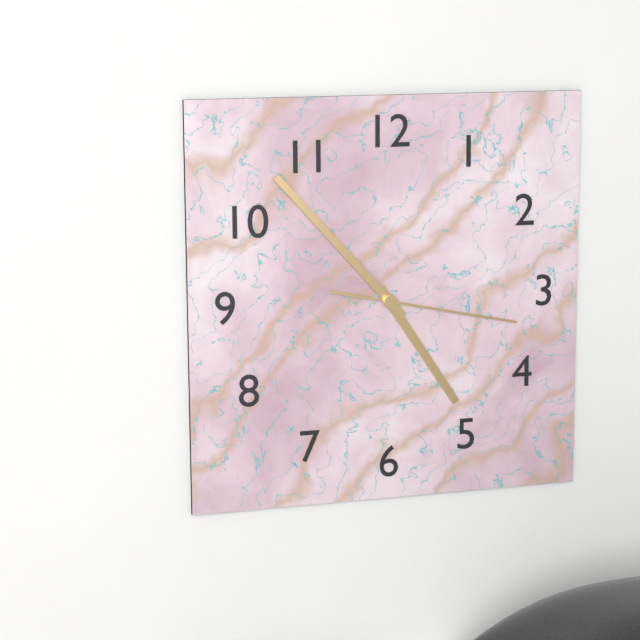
4.53.17
